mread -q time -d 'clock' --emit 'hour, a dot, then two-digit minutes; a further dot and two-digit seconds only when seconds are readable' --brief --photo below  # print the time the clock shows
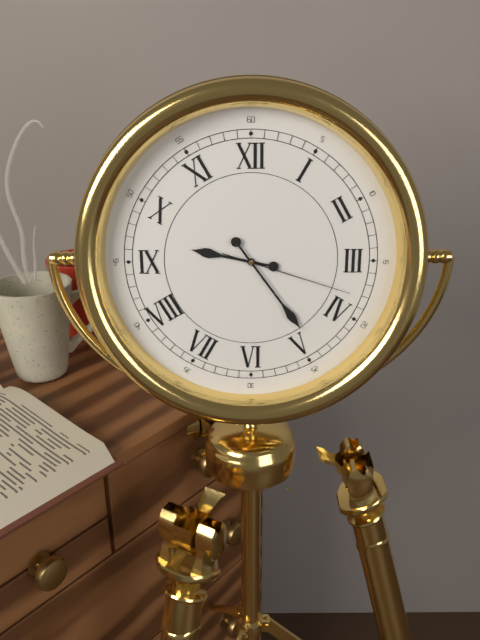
9.24.18
